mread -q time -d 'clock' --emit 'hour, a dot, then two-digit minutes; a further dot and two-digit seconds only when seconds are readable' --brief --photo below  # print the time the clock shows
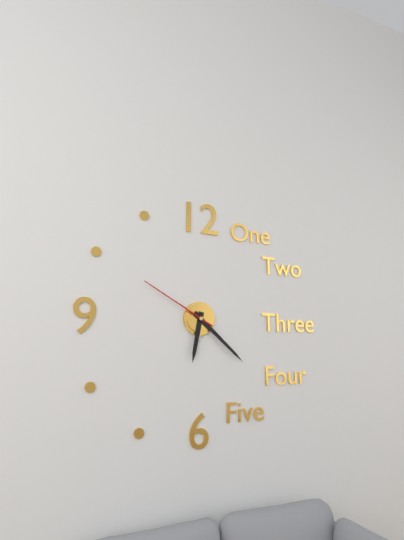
6.22.50
